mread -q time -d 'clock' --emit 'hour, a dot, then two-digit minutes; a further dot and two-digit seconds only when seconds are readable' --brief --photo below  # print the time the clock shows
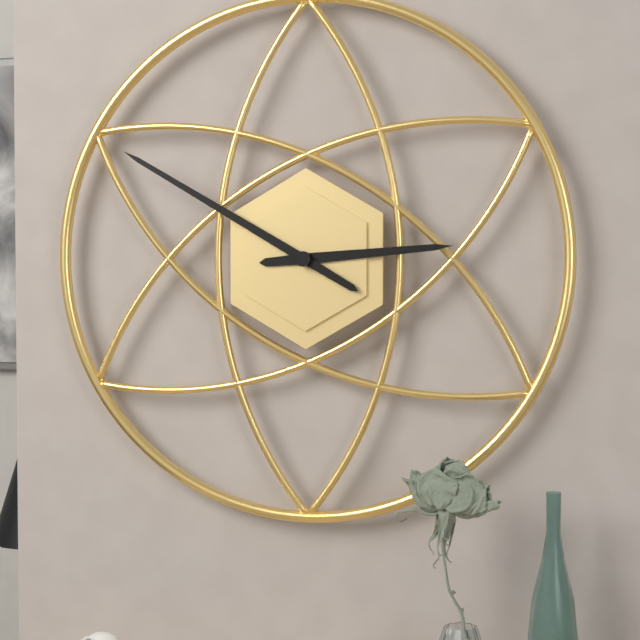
2.50
